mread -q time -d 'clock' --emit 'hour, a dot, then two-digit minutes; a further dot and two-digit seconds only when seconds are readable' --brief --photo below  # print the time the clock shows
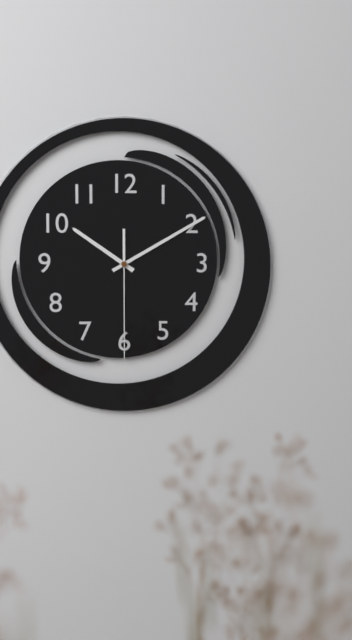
10.10.30
